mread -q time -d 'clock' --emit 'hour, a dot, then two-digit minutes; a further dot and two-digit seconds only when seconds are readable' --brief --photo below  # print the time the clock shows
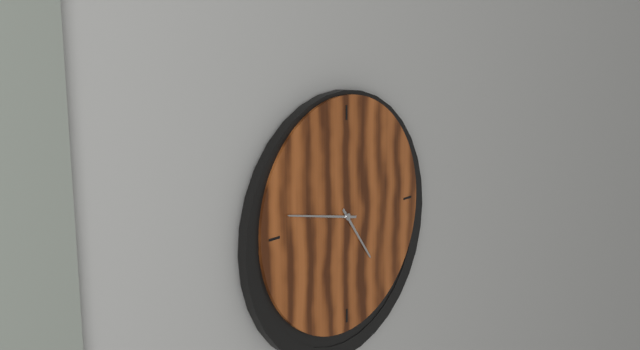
4.47
